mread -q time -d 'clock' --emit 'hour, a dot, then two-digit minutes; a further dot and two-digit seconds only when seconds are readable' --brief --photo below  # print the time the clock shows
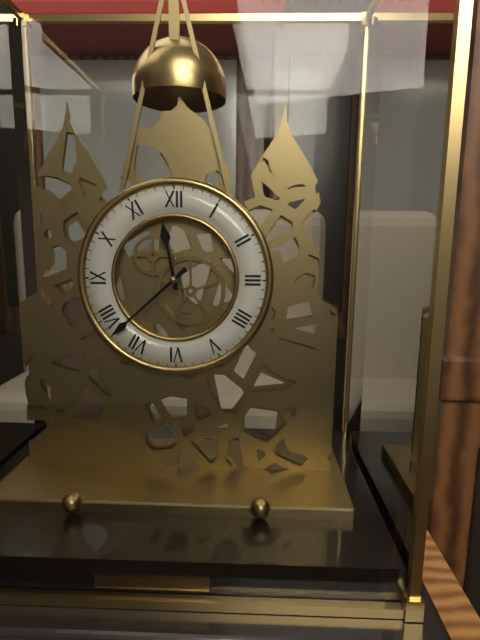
11.38
